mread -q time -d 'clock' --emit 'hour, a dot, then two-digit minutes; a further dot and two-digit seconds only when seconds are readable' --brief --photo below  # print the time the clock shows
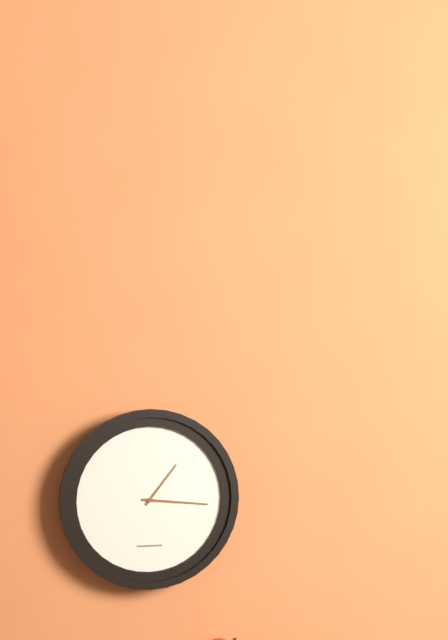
1.16
